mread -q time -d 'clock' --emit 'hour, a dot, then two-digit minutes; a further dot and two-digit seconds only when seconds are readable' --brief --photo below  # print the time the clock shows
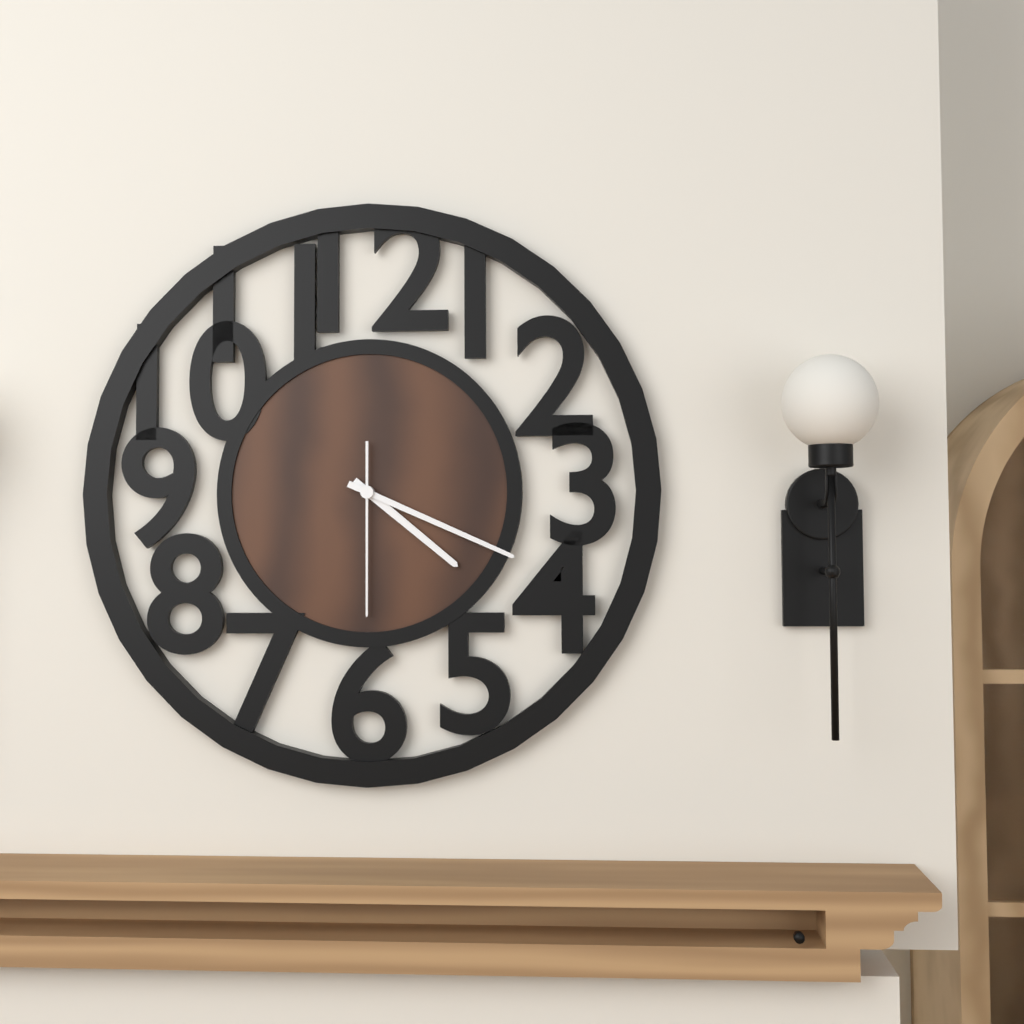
4.19.30
